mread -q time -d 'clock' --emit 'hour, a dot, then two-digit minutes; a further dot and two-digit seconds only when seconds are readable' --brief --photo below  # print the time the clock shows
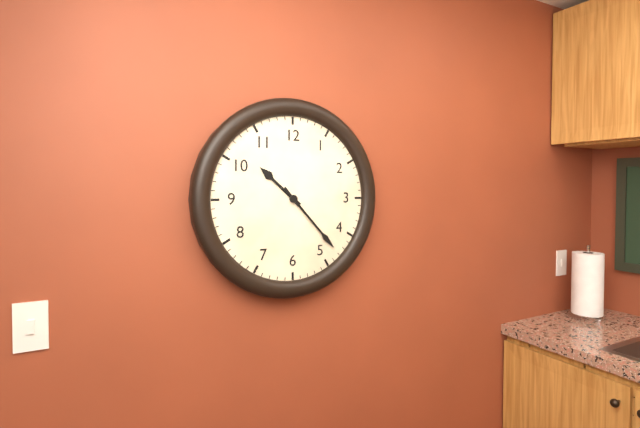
10.23
